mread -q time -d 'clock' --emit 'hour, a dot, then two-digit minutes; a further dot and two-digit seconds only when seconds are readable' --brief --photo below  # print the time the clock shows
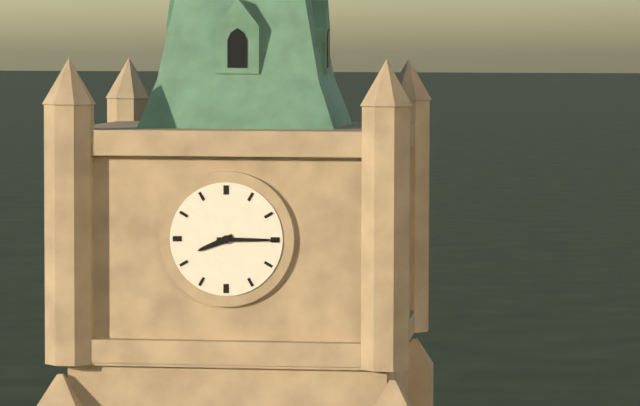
8.15
